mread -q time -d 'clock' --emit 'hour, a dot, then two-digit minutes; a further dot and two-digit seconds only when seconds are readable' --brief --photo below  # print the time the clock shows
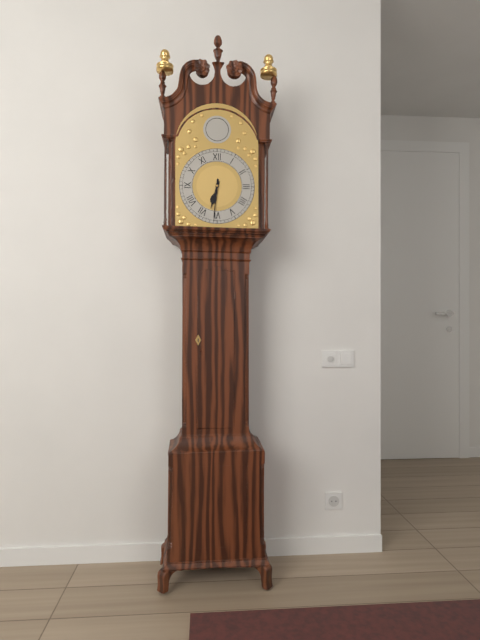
6.31
